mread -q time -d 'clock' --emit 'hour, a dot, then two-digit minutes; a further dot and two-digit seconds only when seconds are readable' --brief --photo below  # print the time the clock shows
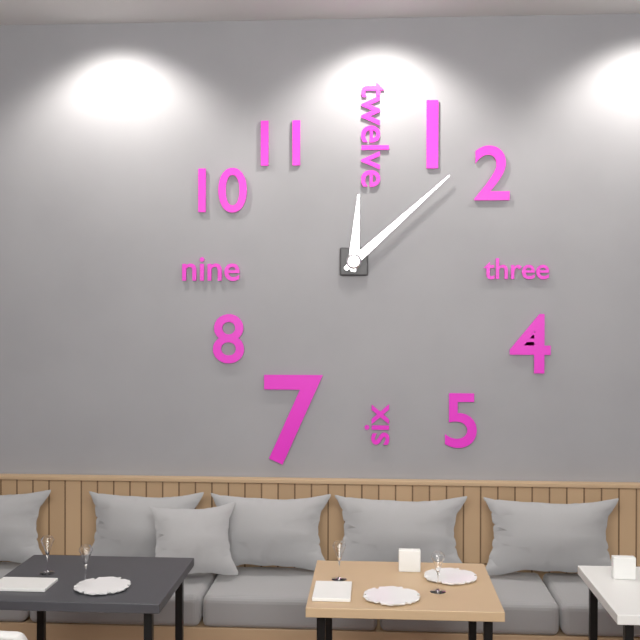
12.08
